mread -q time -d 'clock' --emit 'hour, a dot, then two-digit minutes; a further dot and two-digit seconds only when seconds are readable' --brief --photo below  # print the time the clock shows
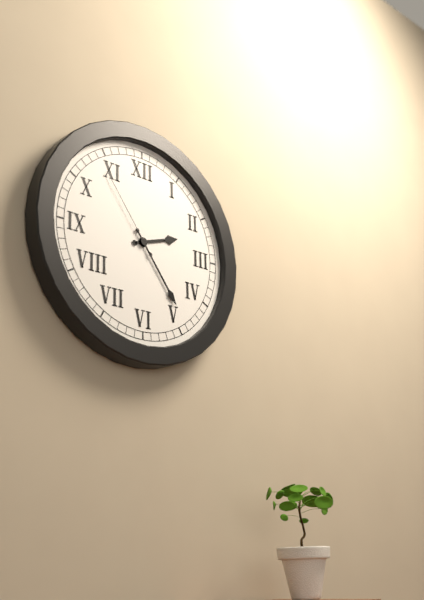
2.24.54
